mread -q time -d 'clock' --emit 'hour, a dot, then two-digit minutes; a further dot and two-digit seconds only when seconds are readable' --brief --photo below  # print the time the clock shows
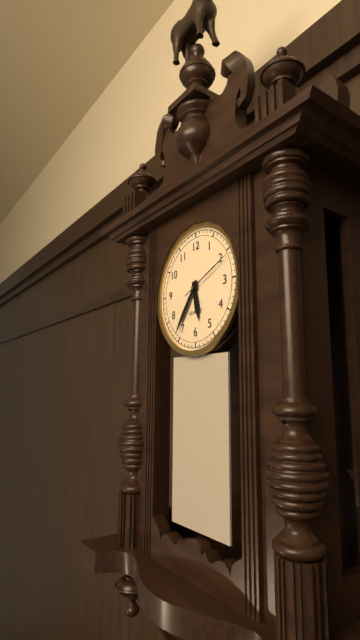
5.36.11
